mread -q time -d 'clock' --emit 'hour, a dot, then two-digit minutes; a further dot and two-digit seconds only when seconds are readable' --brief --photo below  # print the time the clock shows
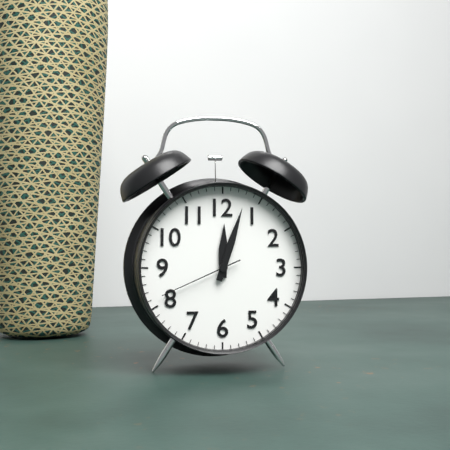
12.03.41
